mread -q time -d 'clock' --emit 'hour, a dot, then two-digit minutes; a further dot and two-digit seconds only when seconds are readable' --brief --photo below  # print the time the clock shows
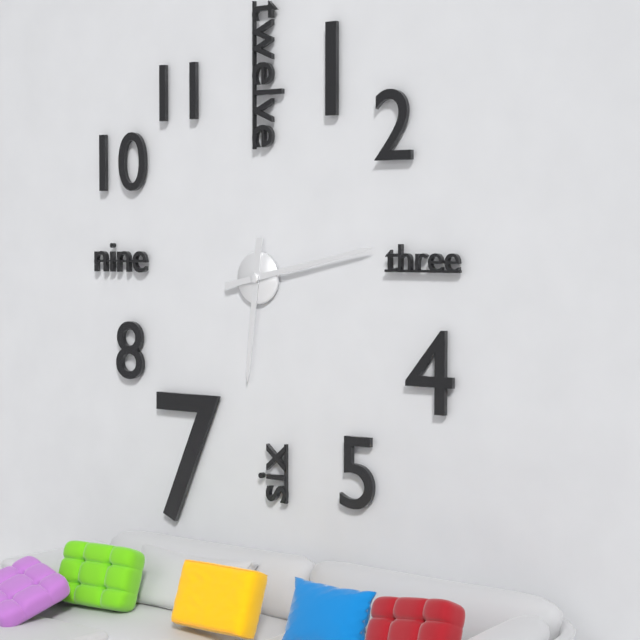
6.13
